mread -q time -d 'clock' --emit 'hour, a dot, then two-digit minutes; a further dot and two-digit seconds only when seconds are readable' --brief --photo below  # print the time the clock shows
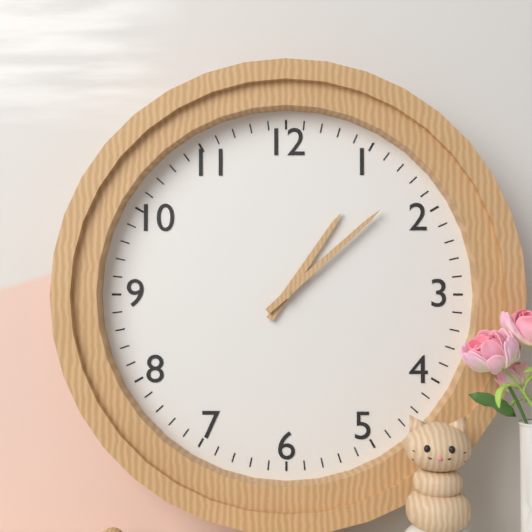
1.08
